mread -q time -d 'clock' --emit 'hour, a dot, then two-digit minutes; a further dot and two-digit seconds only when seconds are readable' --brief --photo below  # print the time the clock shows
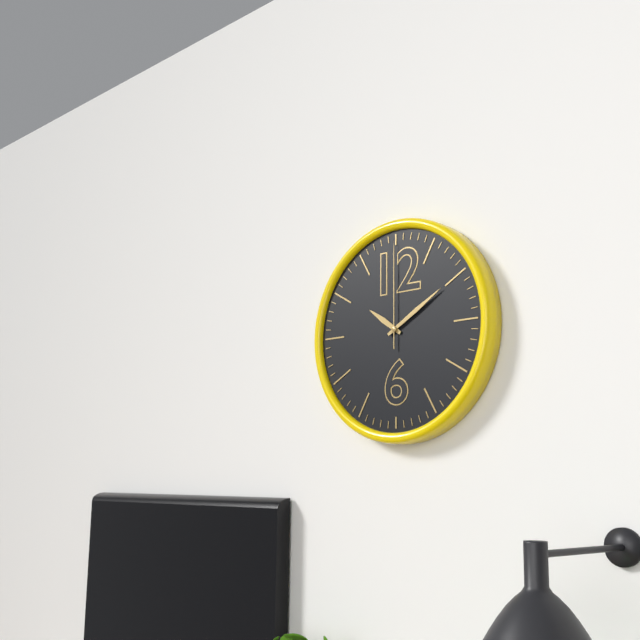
10.10.00
